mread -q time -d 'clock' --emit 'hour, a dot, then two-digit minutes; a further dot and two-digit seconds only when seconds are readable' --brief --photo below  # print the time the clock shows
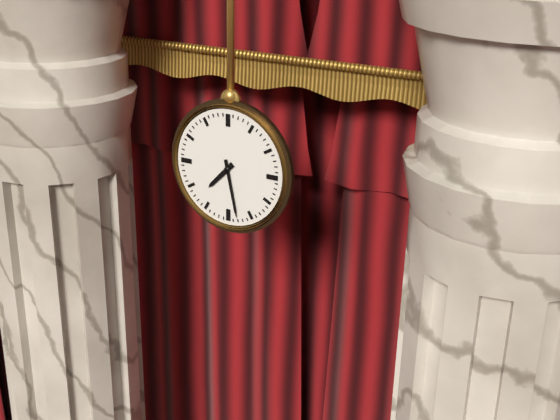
7.28
